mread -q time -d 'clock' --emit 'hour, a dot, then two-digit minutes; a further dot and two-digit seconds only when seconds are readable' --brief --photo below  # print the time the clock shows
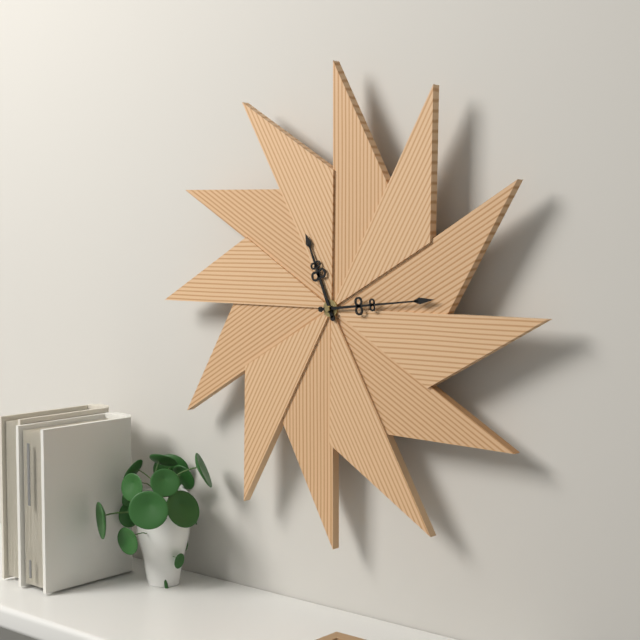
11.14
